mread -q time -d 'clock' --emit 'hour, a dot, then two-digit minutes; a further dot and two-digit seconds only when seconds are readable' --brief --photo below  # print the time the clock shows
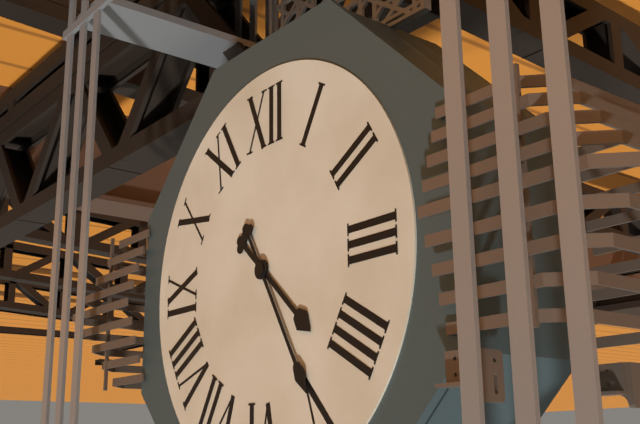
4.25
